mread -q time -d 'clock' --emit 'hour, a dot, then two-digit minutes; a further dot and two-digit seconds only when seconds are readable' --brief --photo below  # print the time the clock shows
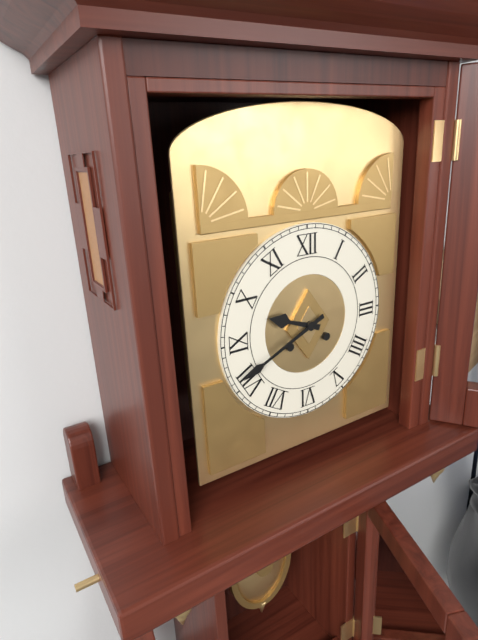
9.41
